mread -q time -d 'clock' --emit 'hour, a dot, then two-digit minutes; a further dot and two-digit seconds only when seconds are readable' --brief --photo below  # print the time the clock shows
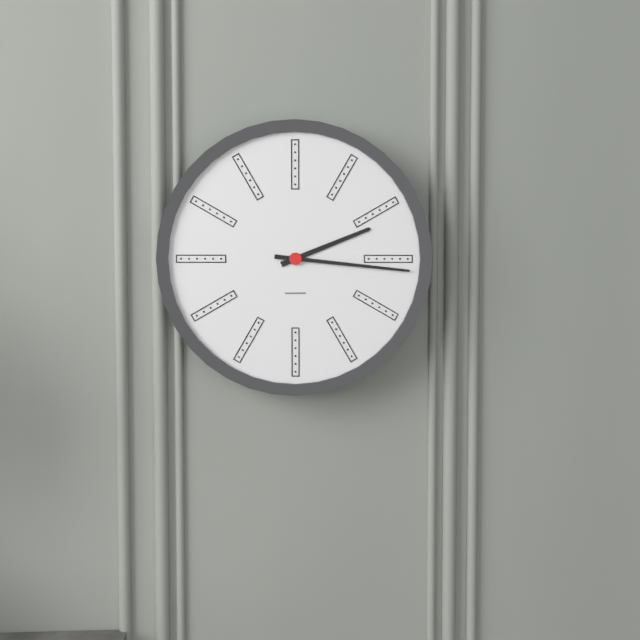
2.16
